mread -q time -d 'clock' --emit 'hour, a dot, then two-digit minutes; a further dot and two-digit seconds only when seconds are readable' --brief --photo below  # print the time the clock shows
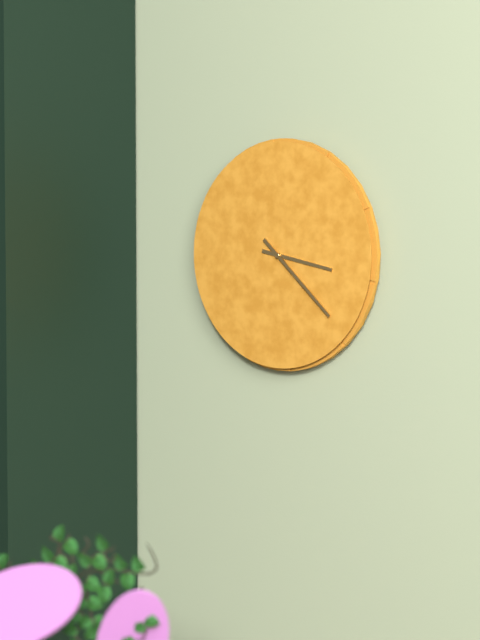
3.22
